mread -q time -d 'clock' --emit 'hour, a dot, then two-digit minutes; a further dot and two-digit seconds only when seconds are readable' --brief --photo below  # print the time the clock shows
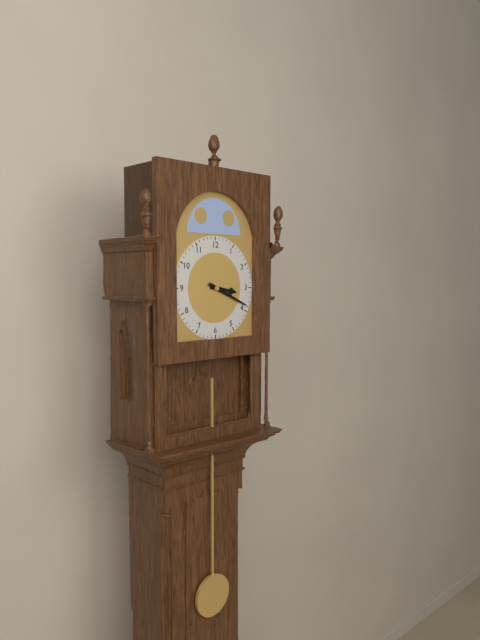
3.19
